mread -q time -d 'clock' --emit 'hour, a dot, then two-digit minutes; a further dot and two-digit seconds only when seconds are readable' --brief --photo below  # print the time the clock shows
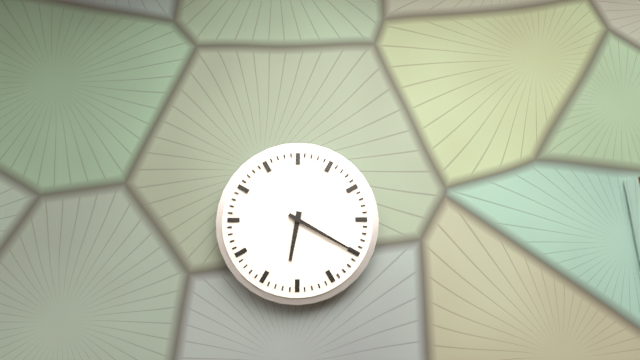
6.20
